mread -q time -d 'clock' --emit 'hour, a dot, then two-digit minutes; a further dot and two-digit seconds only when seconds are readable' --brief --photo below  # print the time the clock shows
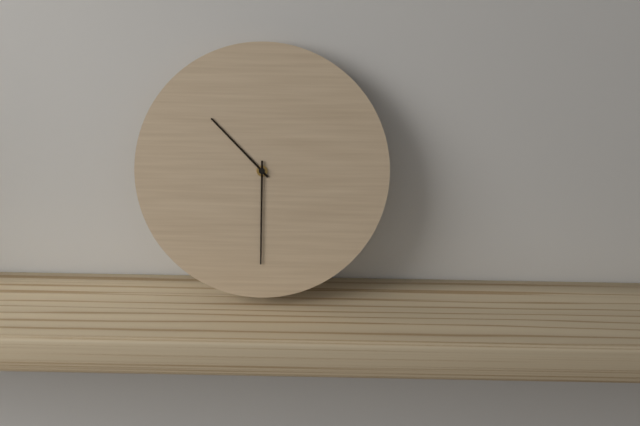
10.30
